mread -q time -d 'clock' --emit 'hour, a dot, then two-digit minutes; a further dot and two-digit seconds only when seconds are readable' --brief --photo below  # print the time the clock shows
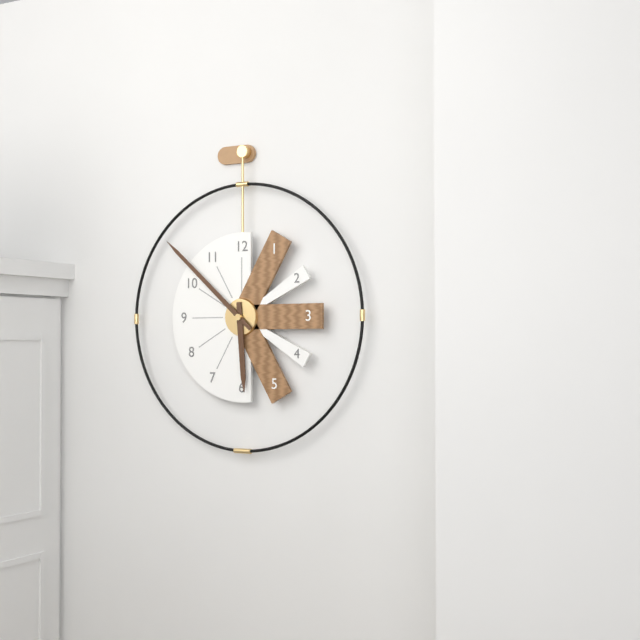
5.52
